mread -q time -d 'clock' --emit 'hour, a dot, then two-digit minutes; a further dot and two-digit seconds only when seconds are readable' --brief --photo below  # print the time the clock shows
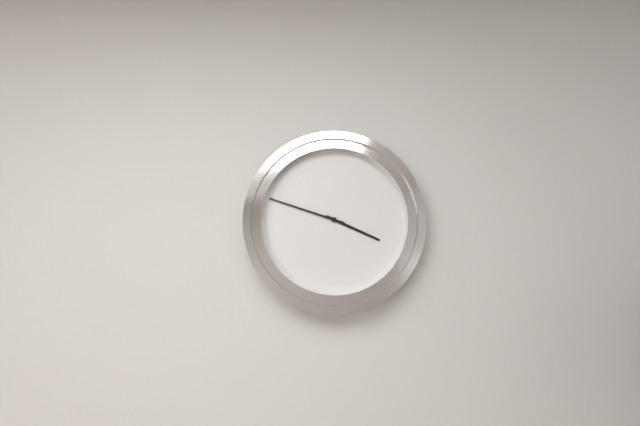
3.48
